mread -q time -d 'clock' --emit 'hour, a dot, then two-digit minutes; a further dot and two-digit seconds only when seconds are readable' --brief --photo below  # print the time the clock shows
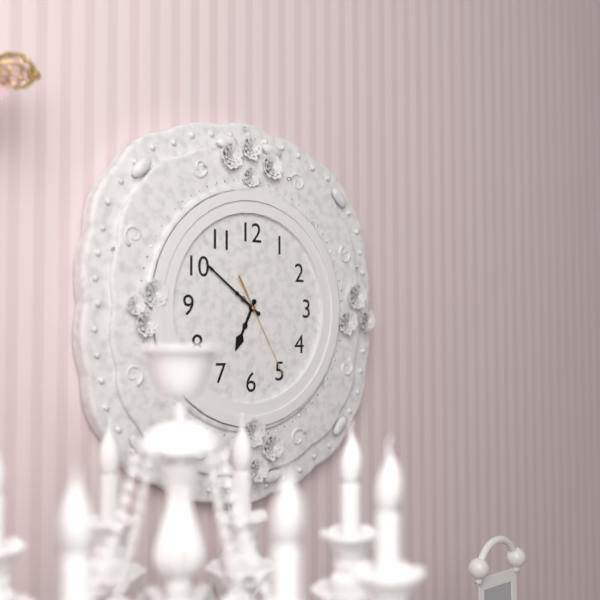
6.51.25
